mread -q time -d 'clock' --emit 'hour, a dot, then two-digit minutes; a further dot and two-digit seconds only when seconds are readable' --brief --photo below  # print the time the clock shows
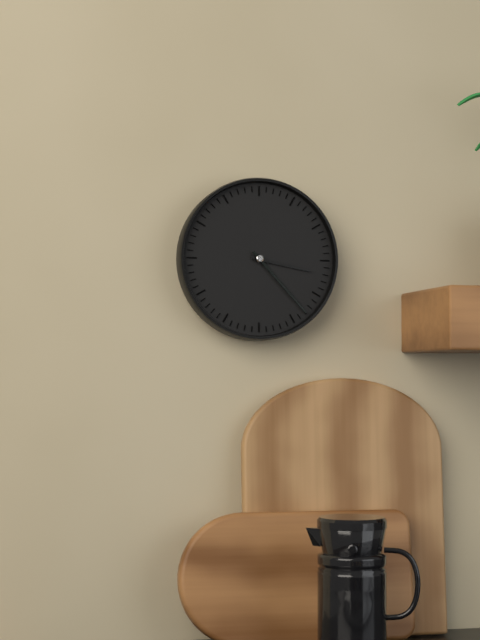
3.23
